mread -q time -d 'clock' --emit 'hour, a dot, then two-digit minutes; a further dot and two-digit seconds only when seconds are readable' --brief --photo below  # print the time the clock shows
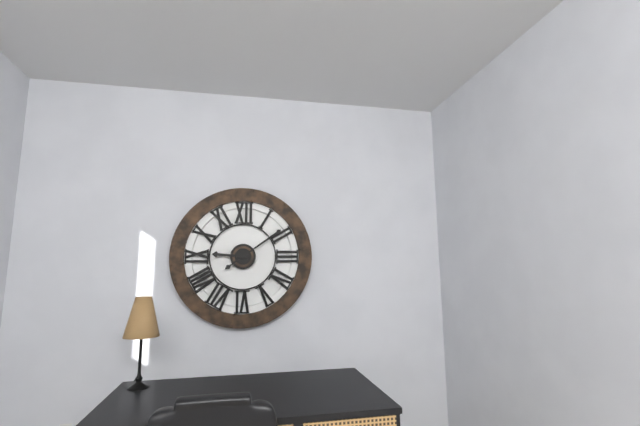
9.09
